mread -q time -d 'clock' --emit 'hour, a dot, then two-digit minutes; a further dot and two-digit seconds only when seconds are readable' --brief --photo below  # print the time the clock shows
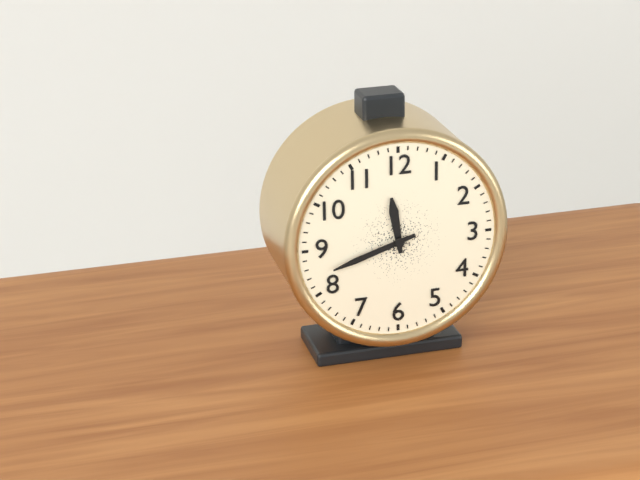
11.42
